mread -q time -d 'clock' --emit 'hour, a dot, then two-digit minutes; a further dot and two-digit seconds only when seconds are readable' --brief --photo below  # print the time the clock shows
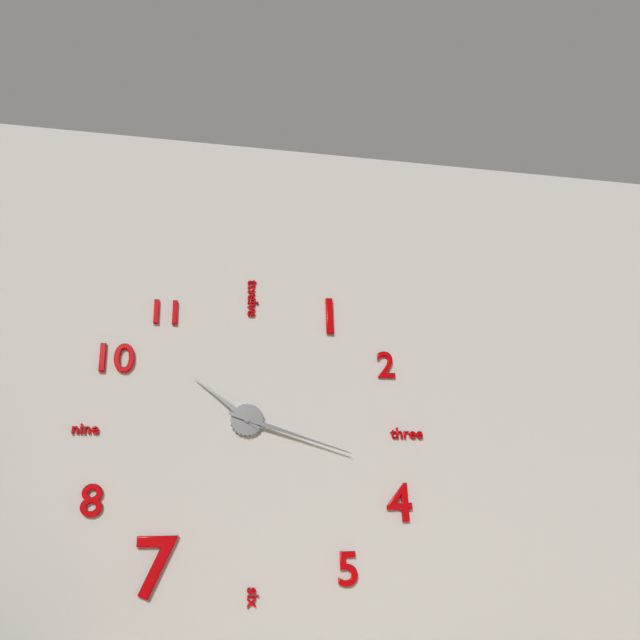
10.18
